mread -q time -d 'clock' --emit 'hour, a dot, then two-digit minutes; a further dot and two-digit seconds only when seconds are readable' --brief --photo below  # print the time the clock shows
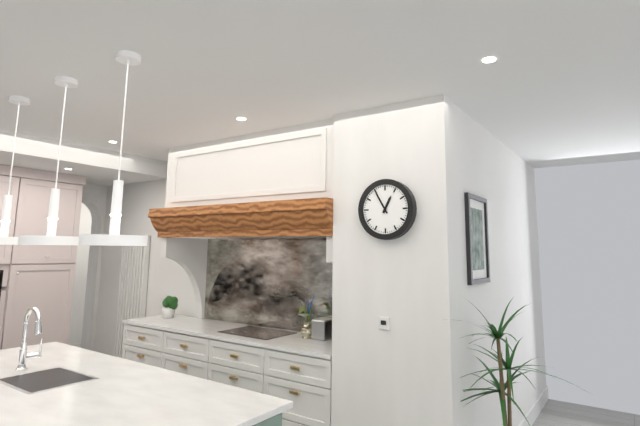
12.55
